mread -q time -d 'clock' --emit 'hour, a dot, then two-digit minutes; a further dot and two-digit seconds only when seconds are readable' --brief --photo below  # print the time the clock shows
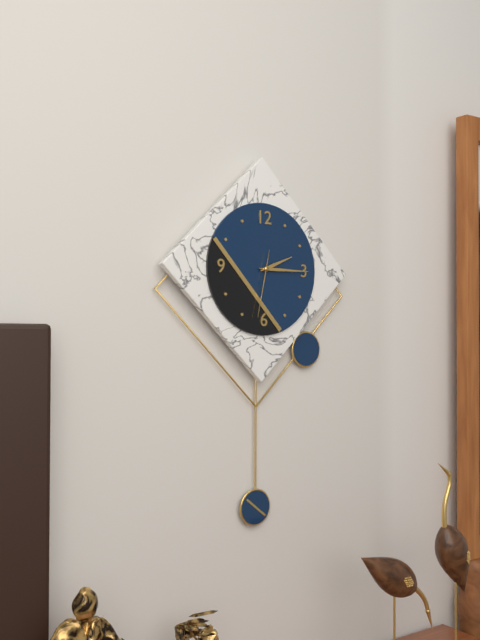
2.15.32
